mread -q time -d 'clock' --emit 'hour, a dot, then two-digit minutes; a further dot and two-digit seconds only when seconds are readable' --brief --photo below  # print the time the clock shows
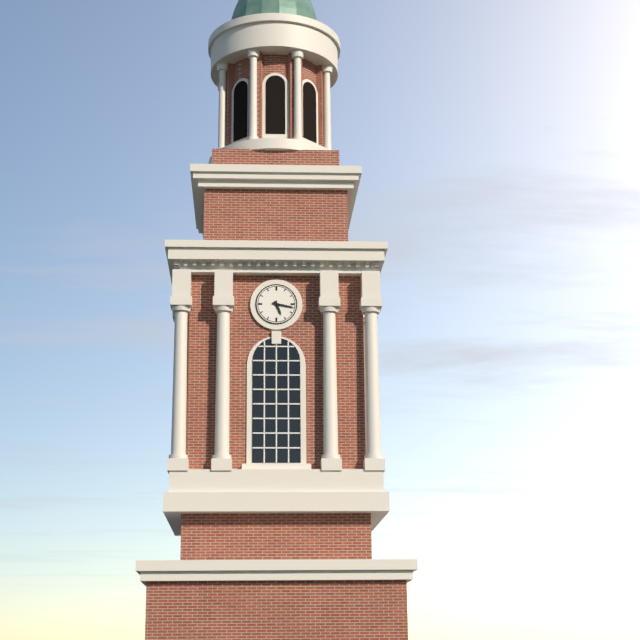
5.17
